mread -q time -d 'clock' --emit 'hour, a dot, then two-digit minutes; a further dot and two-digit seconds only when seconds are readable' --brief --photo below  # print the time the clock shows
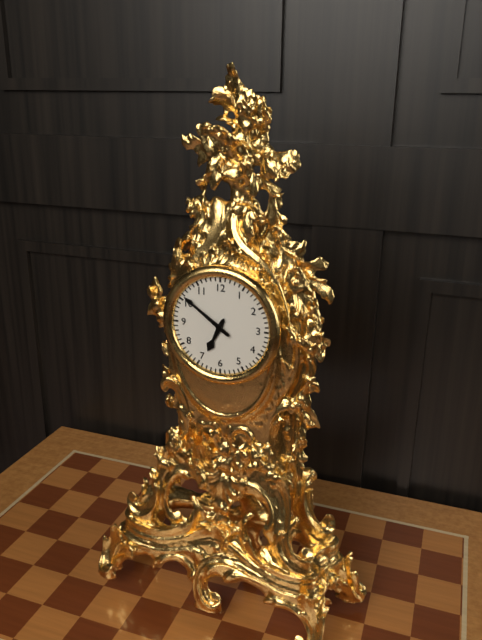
6.51
